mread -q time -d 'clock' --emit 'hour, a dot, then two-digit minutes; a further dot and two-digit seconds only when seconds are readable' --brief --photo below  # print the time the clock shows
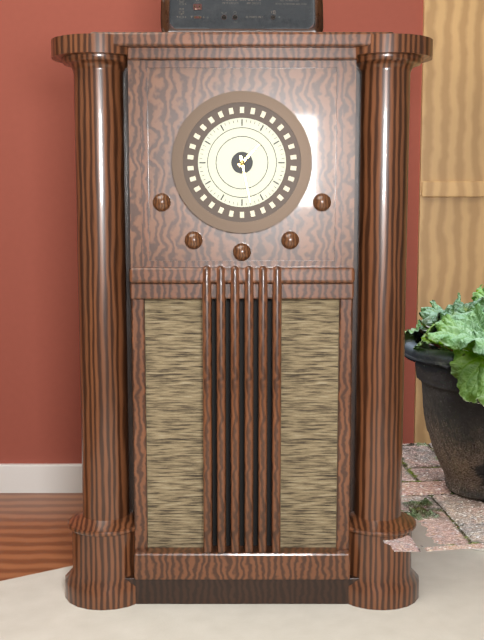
1.28
